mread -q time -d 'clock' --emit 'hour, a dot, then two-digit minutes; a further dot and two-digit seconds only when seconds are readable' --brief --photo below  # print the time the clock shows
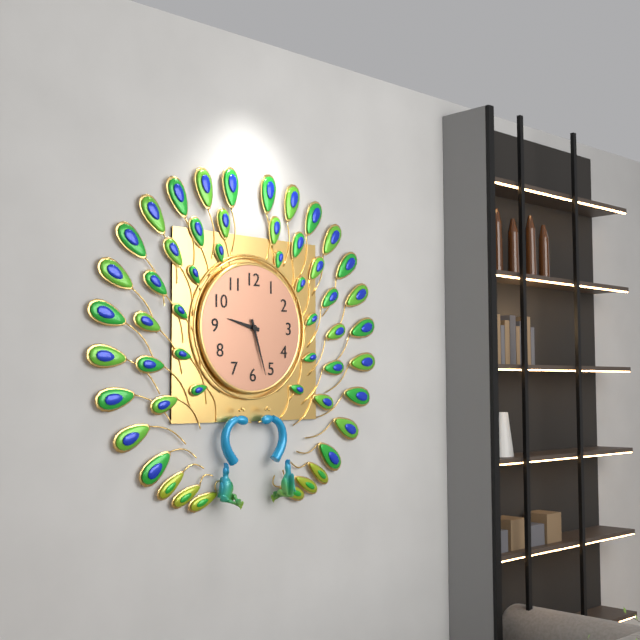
9.27
